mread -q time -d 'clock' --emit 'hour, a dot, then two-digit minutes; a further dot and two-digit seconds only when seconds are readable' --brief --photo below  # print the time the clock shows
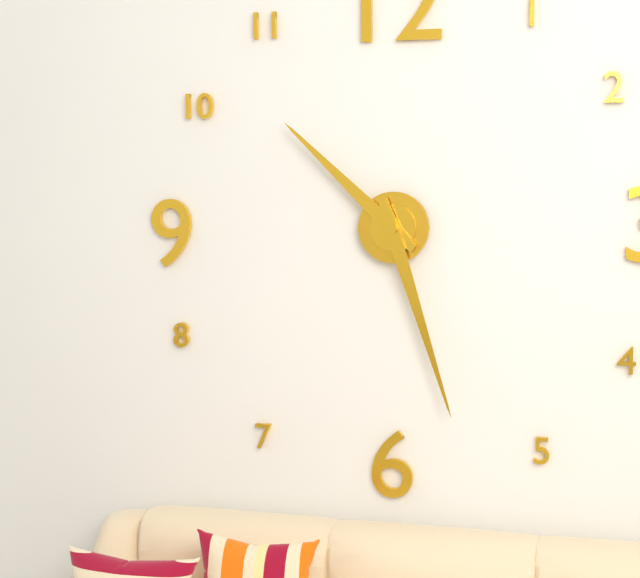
10.27
